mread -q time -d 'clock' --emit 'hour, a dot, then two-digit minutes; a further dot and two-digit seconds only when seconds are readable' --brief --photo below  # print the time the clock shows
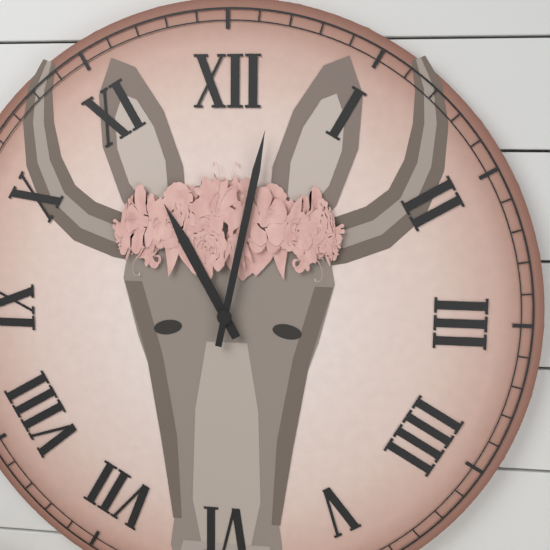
11.02
